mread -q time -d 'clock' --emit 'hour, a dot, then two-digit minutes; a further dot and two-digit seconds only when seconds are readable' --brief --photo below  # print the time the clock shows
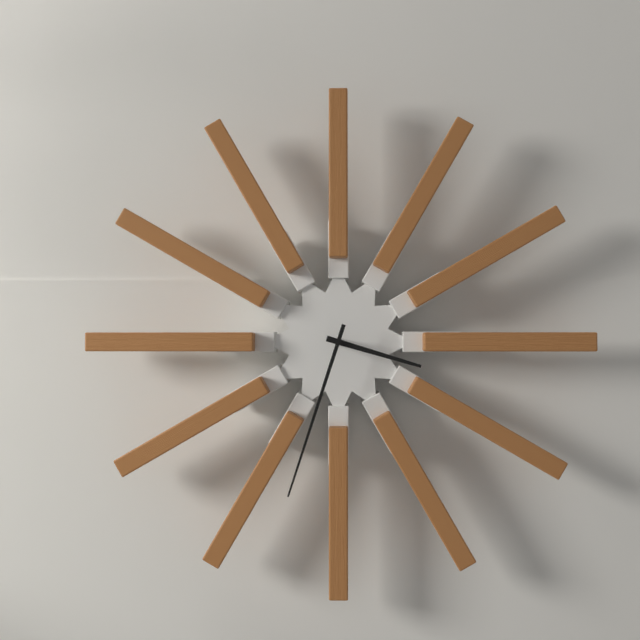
3.33
